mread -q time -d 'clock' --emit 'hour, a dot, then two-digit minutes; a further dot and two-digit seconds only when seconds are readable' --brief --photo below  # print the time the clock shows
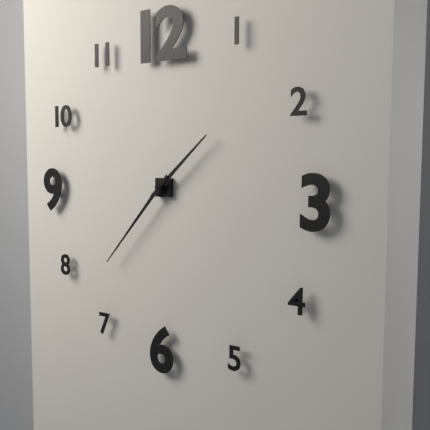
1.37
